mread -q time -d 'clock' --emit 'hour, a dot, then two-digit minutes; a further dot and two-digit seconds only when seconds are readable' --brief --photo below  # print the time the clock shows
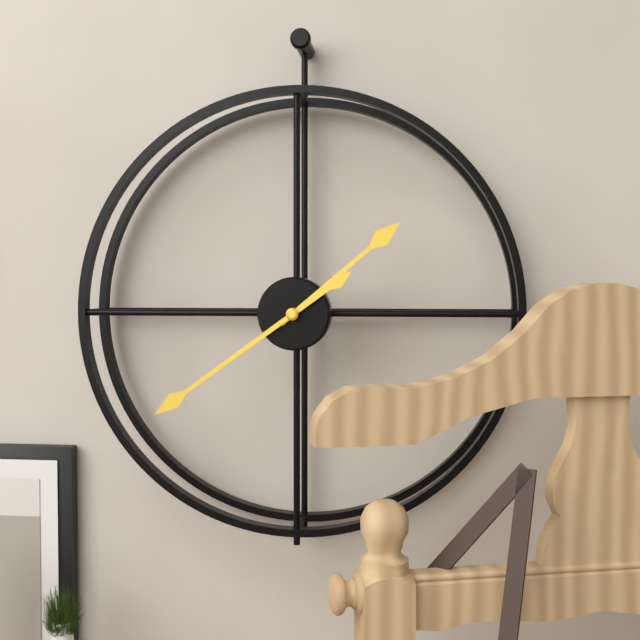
1.39
